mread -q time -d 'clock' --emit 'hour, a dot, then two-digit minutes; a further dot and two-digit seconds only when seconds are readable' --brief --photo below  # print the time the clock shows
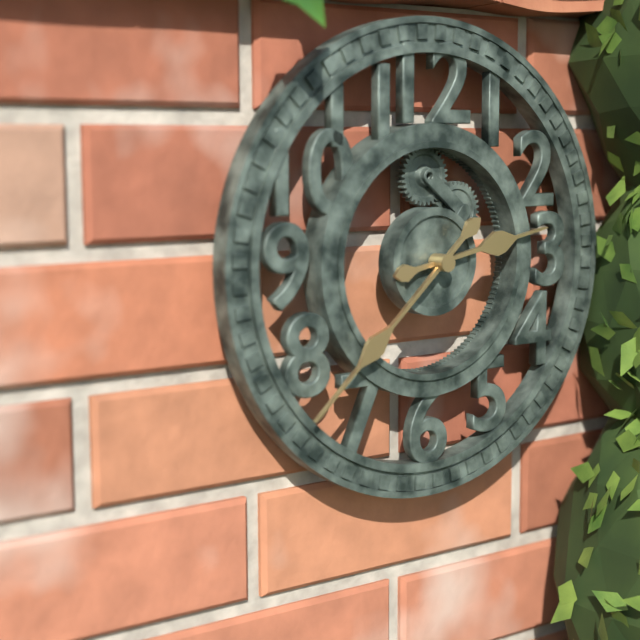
2.38
